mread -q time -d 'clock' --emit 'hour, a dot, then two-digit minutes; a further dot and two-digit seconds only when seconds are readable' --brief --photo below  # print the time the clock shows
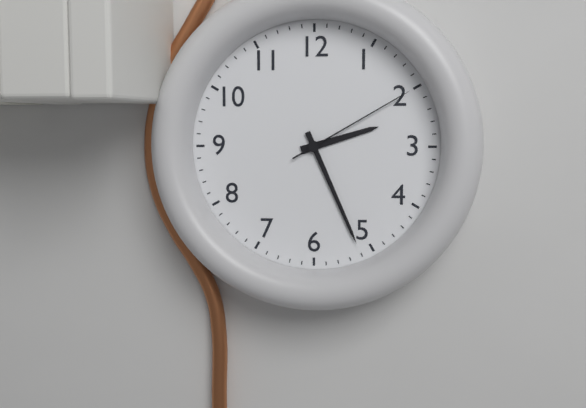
2.26.10
